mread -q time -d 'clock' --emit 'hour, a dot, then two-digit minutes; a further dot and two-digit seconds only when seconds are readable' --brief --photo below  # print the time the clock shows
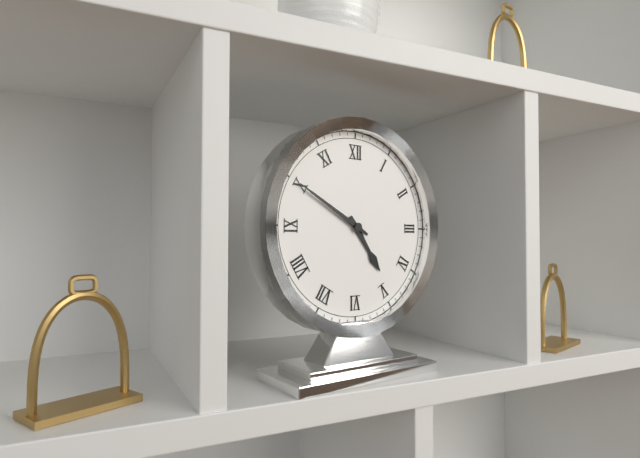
4.50
